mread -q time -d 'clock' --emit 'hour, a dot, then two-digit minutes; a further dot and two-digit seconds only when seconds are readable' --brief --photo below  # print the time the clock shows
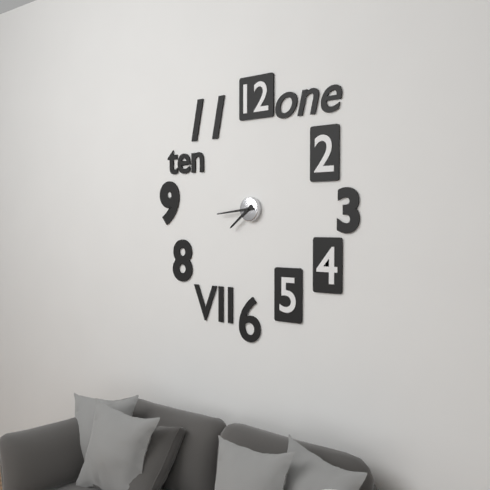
7.44
